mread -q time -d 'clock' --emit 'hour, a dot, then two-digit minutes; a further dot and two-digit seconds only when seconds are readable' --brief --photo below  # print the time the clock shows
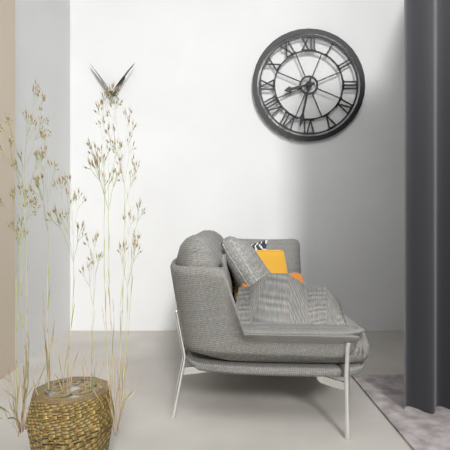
8.32
